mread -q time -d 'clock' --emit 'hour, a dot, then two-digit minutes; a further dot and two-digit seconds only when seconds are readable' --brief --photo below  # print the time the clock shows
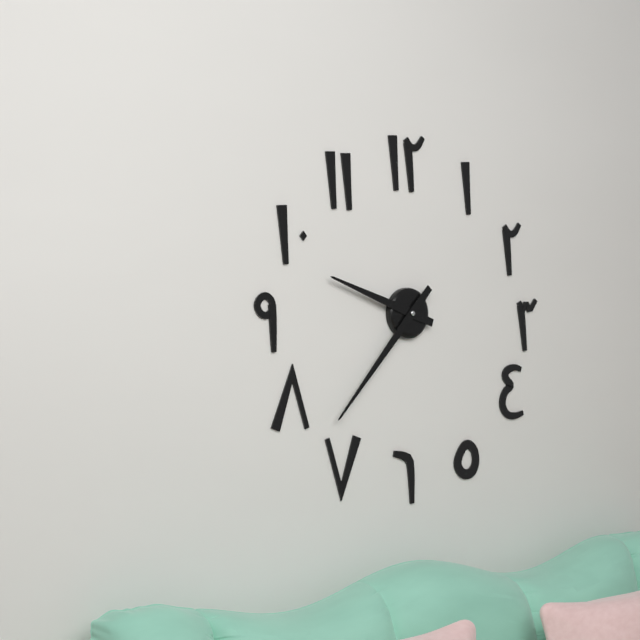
9.37
